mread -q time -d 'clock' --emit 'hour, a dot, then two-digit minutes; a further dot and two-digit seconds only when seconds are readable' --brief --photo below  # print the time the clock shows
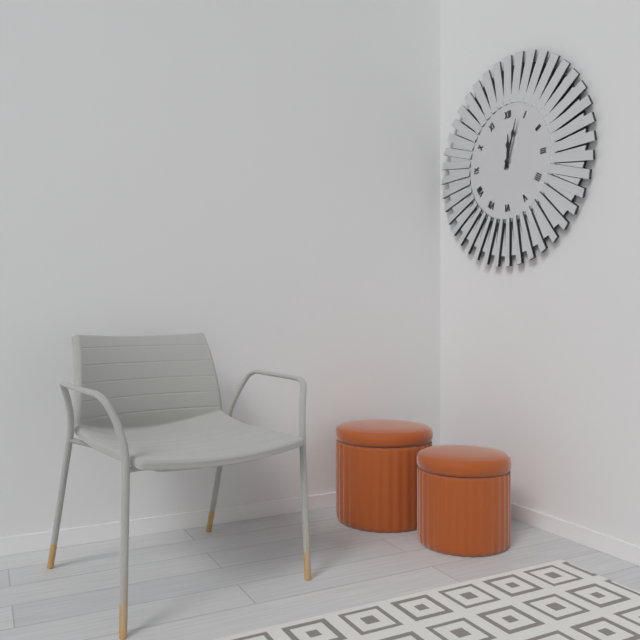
12.03
